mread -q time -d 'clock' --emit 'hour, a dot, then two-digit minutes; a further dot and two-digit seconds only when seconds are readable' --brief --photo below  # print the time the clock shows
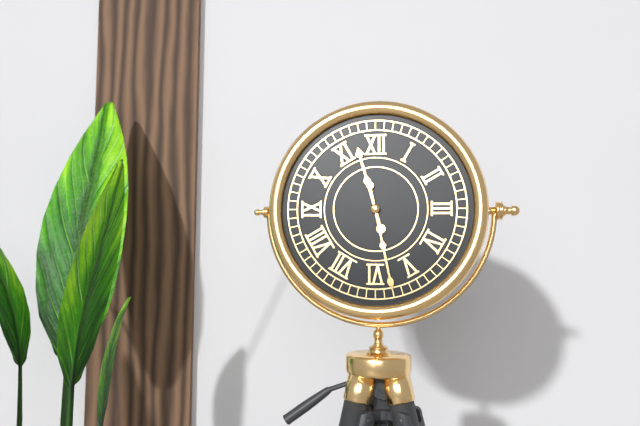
11.28
